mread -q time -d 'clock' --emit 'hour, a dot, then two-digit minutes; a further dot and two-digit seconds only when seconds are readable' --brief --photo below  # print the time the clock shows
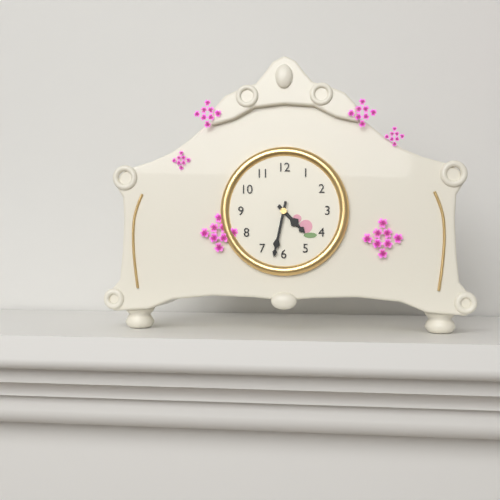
4.32
